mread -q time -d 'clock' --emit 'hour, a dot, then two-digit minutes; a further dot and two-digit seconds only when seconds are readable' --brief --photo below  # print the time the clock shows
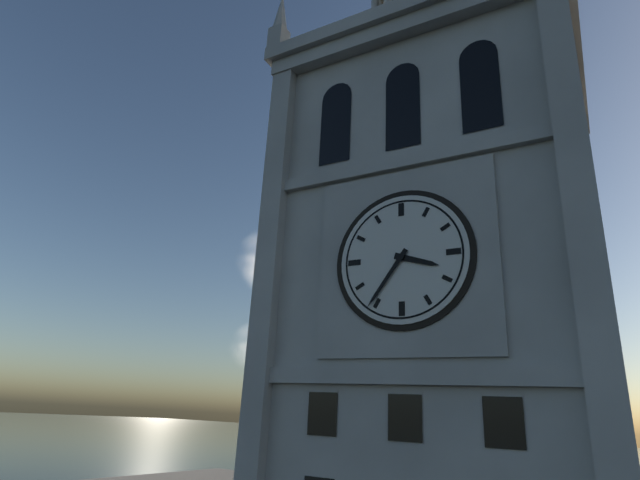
3.36
